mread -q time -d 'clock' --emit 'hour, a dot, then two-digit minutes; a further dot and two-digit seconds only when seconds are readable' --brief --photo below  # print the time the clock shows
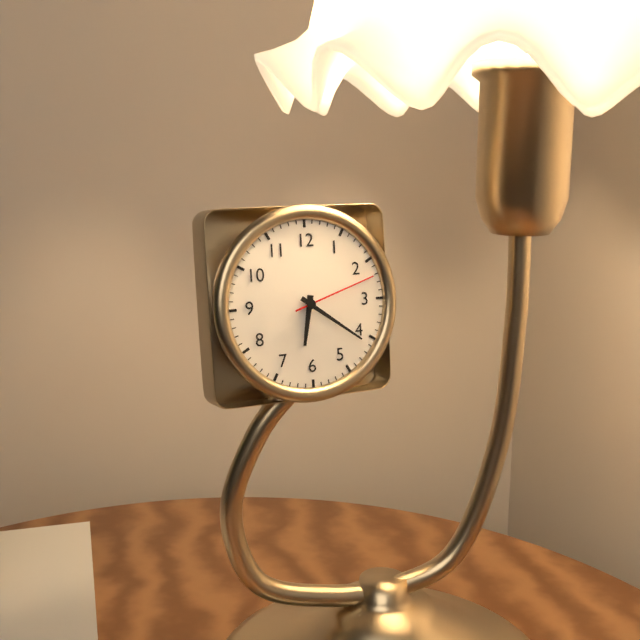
6.21.12
